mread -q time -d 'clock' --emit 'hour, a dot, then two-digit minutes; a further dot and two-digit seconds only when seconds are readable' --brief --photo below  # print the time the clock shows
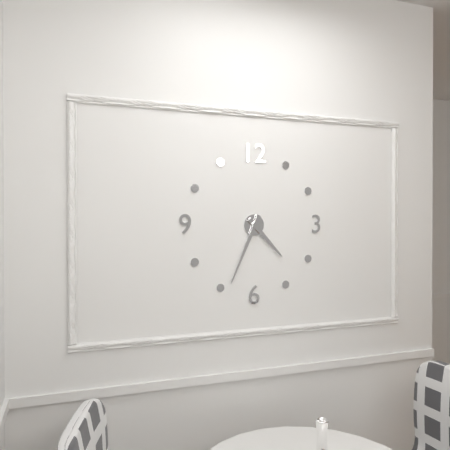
4.34
